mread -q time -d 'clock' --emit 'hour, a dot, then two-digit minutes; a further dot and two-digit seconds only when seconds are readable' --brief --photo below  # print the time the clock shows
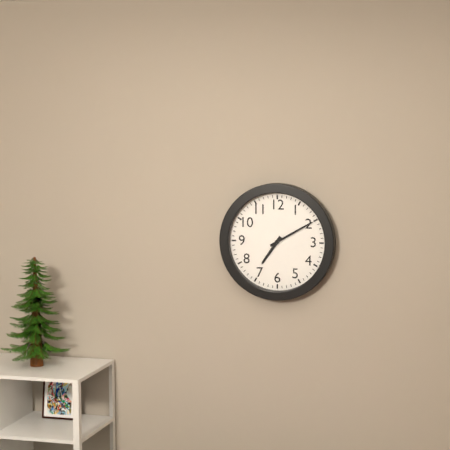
7.10
